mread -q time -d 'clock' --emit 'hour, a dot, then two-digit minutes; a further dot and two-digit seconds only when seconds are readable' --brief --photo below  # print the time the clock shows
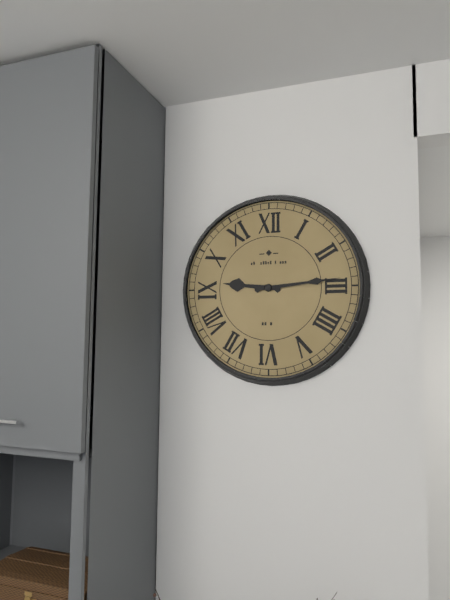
9.14
